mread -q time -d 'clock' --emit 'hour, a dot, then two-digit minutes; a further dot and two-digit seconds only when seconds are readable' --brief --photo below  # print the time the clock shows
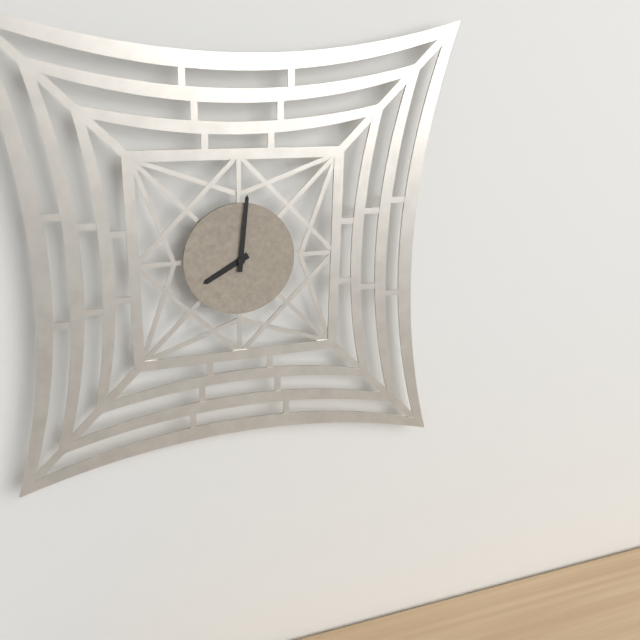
8.01
